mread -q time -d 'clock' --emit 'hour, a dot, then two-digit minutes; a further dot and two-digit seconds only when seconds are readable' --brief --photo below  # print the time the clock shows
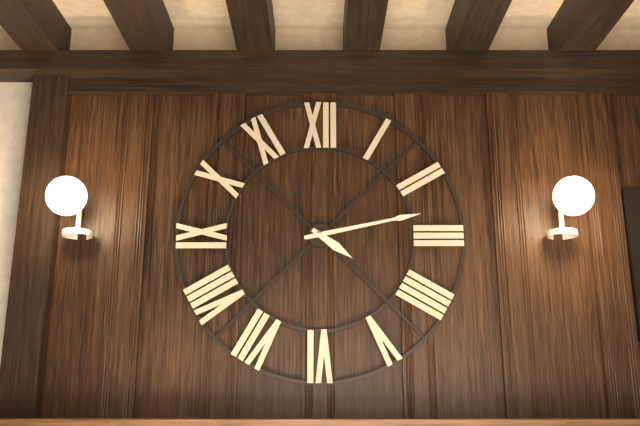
4.13
